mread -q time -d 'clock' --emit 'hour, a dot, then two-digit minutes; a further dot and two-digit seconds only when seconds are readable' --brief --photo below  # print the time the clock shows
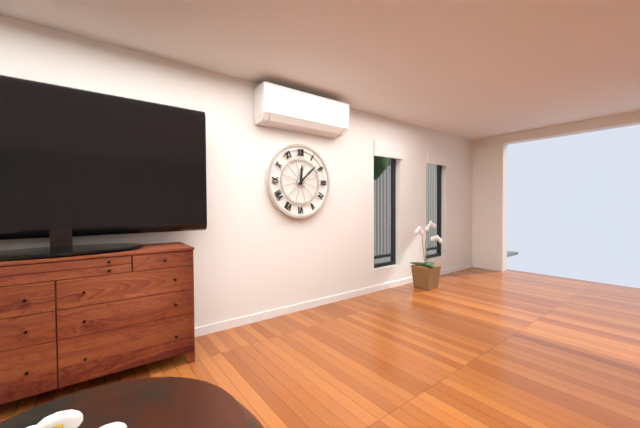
12.08
